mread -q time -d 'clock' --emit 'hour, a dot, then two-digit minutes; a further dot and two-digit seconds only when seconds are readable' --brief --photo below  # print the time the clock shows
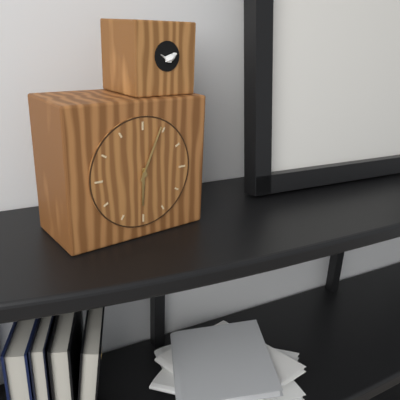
6.04
